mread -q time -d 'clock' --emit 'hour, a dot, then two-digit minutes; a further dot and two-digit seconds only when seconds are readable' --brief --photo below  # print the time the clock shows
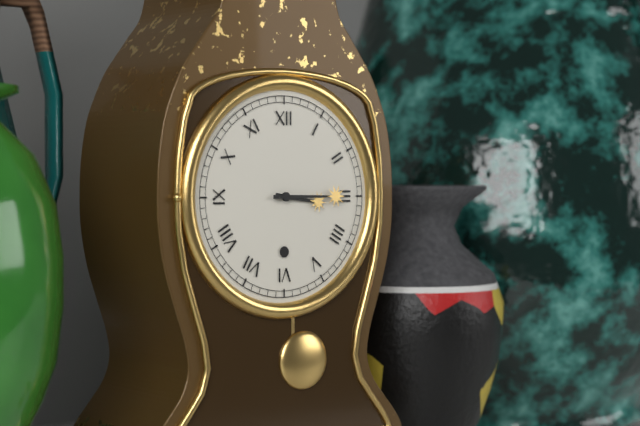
3.15
